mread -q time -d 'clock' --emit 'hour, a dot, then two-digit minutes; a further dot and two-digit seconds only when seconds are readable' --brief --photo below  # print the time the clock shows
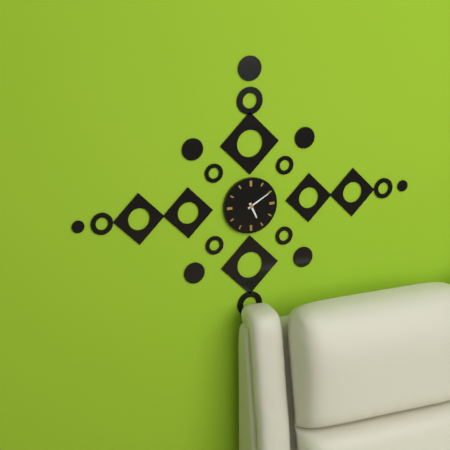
5.10
